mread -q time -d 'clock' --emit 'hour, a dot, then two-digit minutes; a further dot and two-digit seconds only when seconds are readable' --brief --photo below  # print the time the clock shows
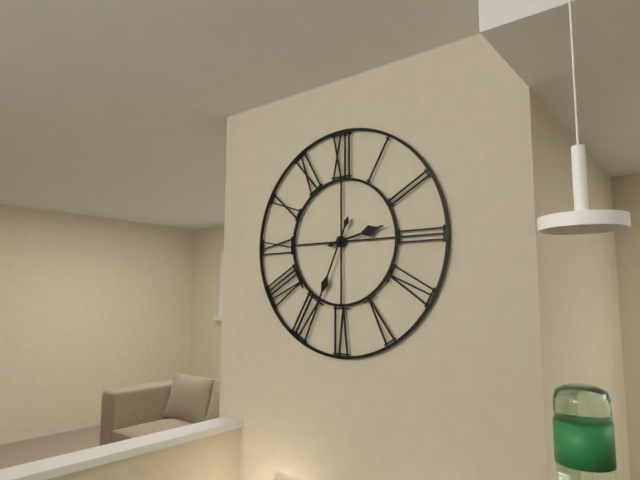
2.34
